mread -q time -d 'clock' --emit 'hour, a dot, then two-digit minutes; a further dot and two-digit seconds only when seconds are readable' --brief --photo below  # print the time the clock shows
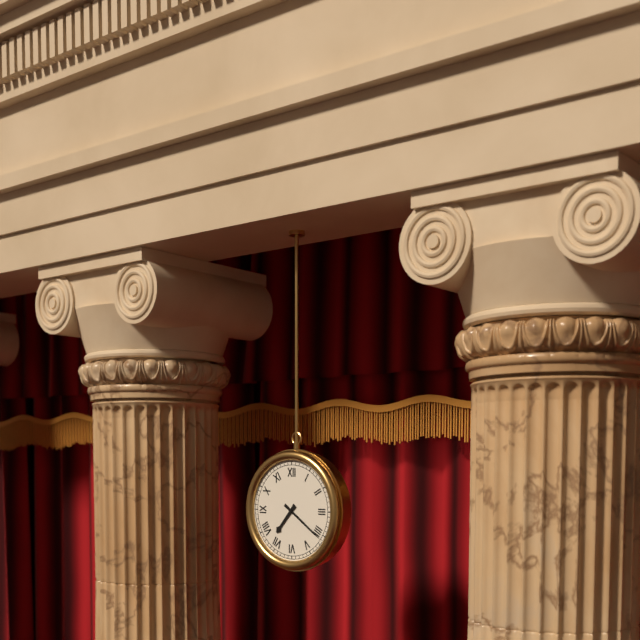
7.21
